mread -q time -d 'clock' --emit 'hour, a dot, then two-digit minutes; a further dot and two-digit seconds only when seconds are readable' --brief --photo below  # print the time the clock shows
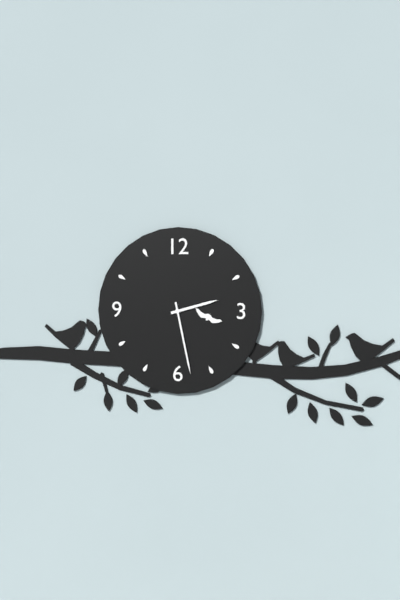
2.28
